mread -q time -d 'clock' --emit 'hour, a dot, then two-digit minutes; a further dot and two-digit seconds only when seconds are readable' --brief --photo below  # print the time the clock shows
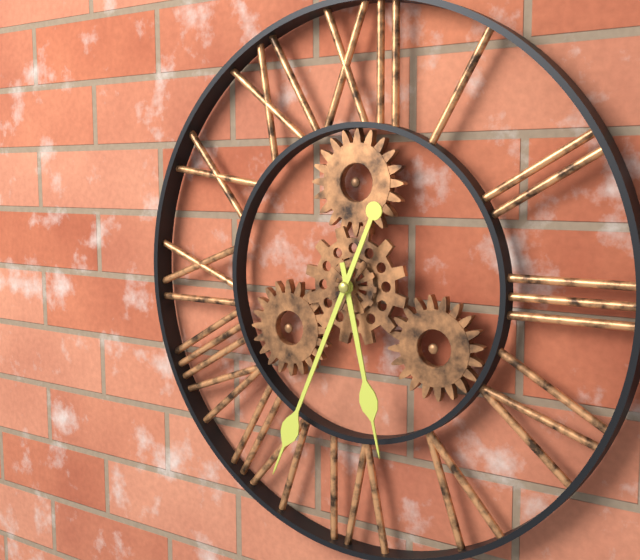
5.34
